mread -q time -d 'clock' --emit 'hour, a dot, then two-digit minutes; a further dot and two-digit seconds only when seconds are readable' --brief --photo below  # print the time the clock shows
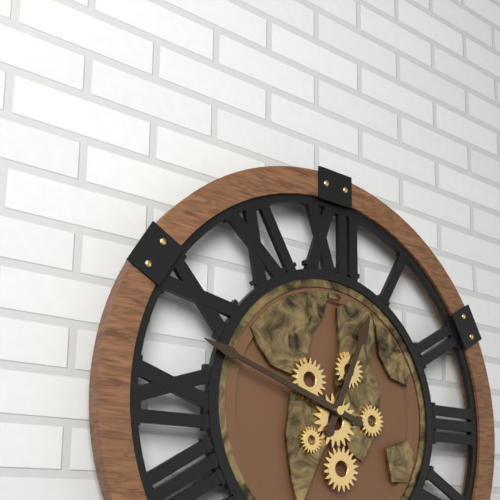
12.48
